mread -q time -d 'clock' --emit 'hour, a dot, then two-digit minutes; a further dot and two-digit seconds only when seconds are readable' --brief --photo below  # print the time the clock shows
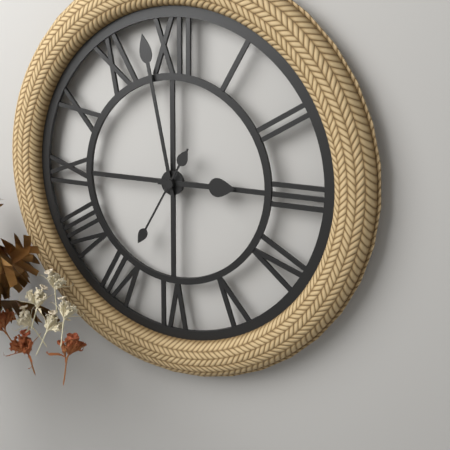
2.58.35
